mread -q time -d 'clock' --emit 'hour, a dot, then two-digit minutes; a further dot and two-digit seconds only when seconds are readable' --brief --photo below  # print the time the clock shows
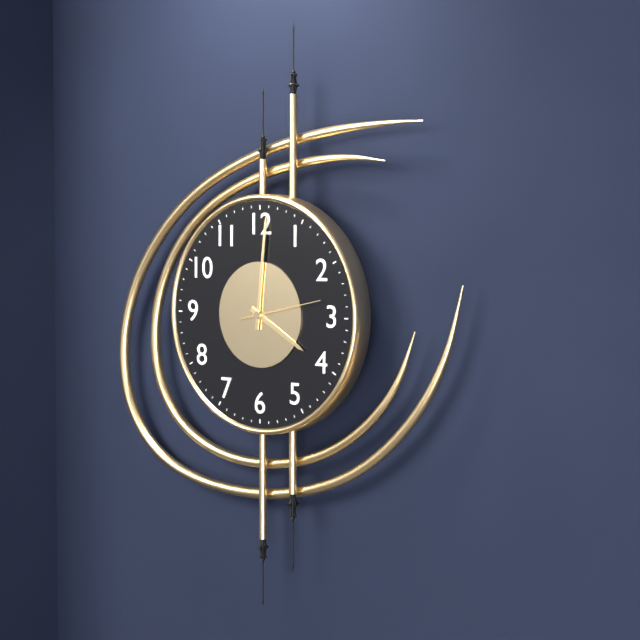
4.01.13
